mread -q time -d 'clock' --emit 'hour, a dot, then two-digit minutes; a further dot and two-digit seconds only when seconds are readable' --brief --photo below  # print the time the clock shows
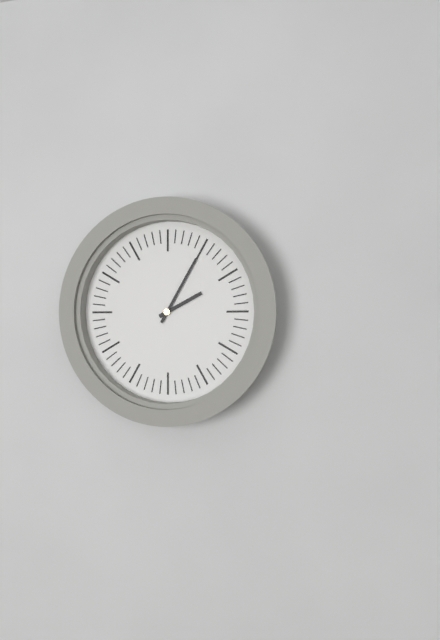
2.05
